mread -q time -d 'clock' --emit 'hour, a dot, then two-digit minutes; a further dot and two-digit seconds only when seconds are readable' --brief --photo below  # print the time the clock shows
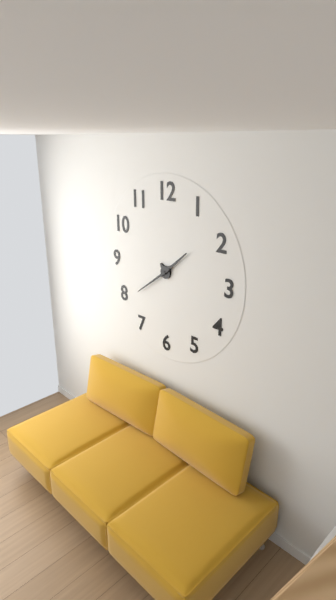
1.39
